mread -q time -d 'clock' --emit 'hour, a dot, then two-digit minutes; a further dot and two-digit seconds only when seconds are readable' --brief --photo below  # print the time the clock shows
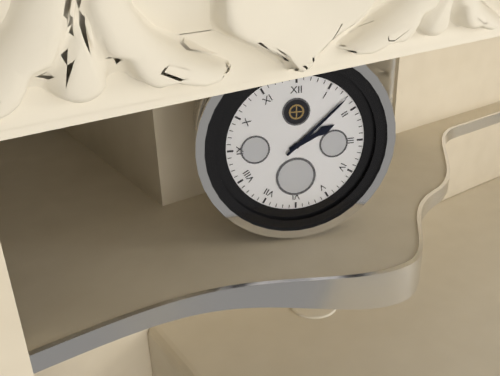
2.08
